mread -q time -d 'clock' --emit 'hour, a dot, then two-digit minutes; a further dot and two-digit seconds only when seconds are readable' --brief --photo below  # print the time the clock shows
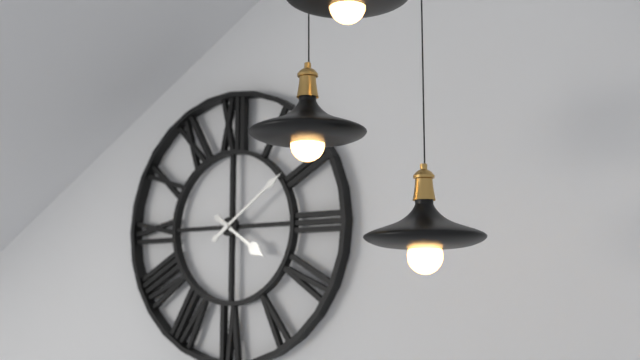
4.09
